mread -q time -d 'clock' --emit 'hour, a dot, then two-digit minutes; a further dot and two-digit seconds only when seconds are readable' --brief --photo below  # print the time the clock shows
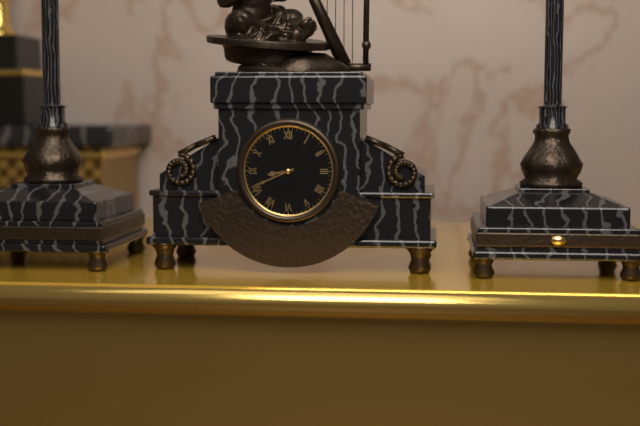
8.41
